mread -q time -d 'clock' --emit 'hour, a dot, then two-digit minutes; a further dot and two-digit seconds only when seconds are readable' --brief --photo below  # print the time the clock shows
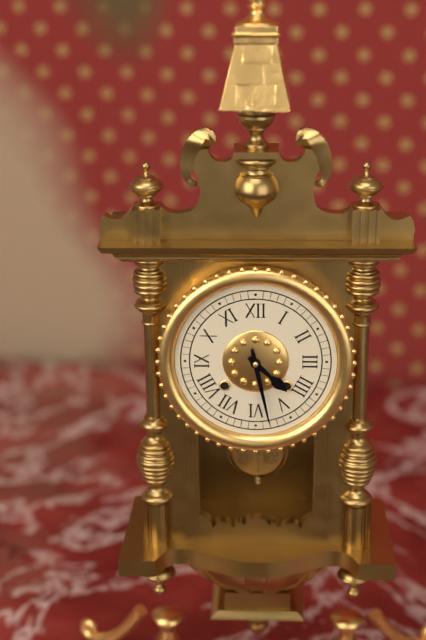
4.28
